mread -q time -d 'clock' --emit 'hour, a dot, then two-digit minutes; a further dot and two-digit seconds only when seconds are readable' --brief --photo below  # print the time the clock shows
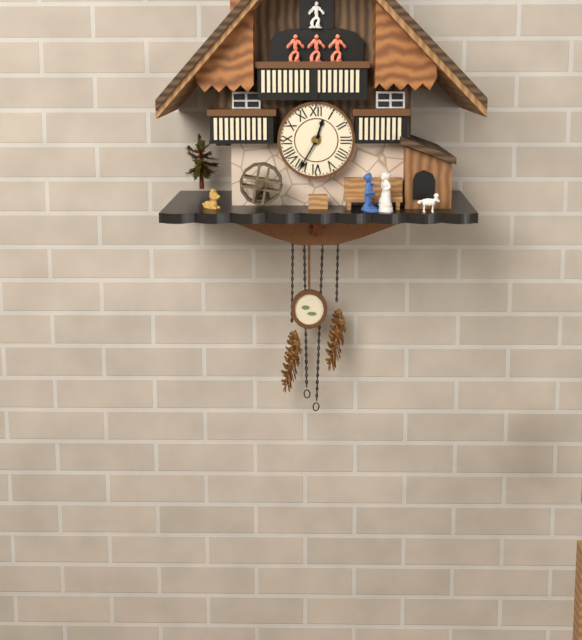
12.35
